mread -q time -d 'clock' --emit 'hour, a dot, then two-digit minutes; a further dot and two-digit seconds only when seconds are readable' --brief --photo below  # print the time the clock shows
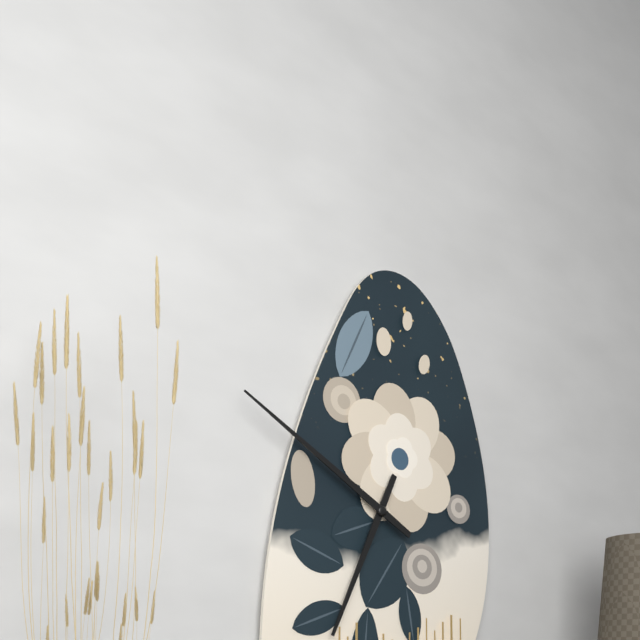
6.50
